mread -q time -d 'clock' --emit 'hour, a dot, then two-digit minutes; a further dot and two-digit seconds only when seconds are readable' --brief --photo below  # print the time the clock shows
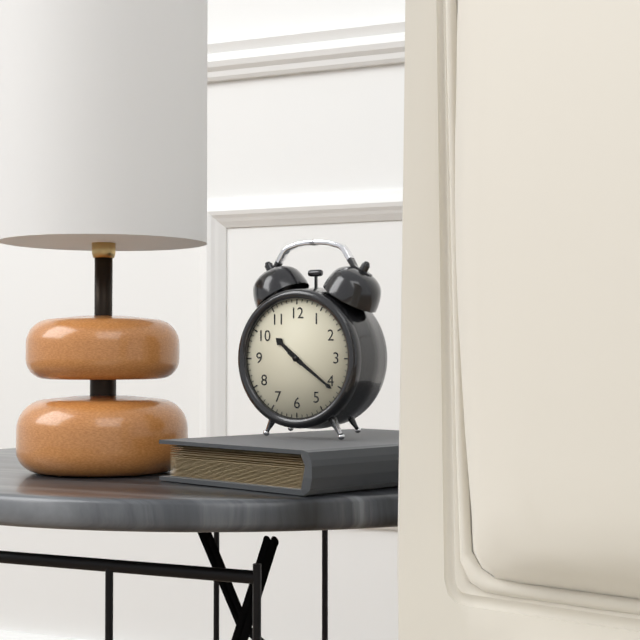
10.21
